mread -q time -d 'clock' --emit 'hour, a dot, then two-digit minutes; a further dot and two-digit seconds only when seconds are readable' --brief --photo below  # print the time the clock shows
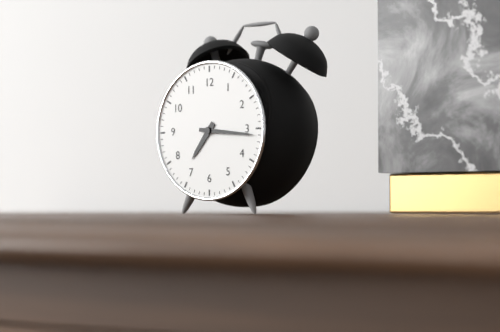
7.16
